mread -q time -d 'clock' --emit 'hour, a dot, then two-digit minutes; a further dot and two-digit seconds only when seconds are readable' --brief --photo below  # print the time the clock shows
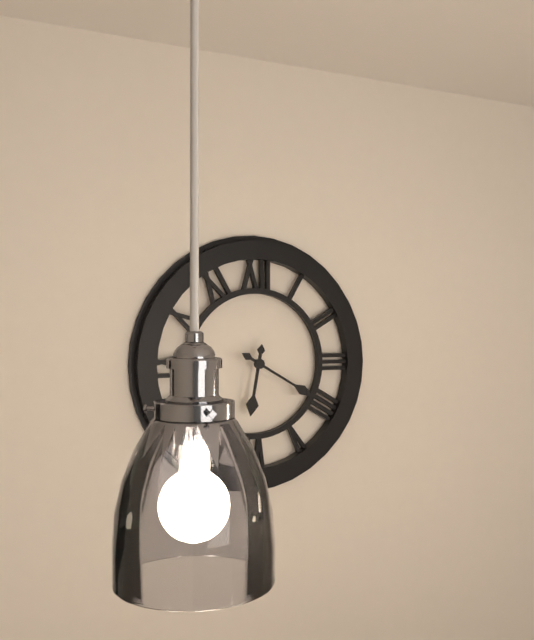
6.20
